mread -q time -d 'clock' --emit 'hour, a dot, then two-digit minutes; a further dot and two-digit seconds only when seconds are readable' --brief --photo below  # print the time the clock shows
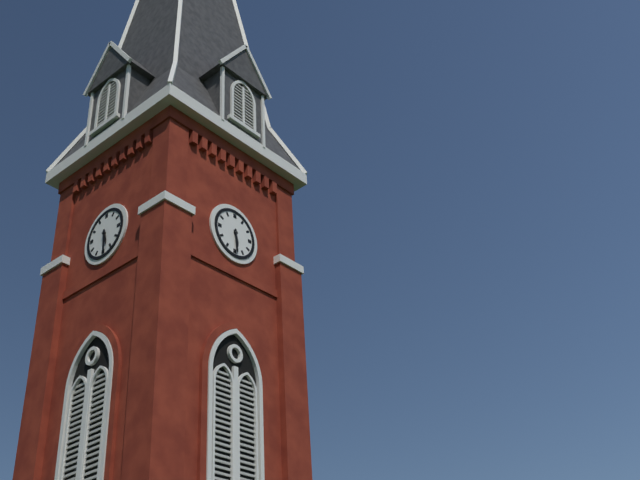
5.29
